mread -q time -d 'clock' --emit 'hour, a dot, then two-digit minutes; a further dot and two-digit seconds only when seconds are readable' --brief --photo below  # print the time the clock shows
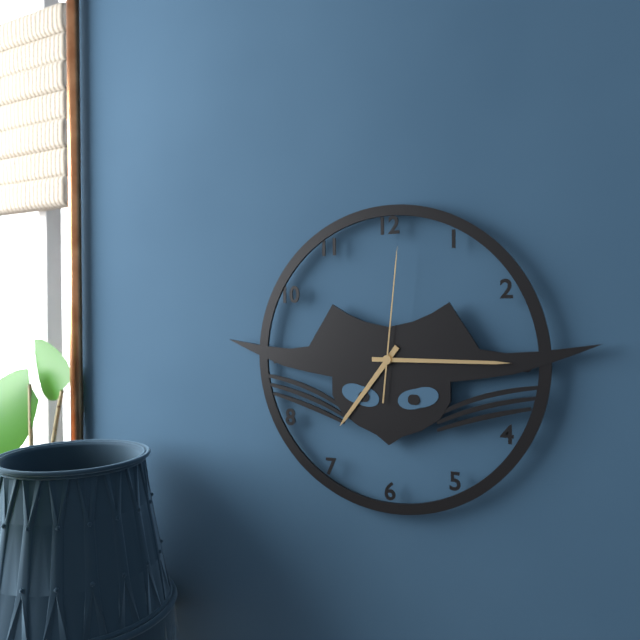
7.15.01
